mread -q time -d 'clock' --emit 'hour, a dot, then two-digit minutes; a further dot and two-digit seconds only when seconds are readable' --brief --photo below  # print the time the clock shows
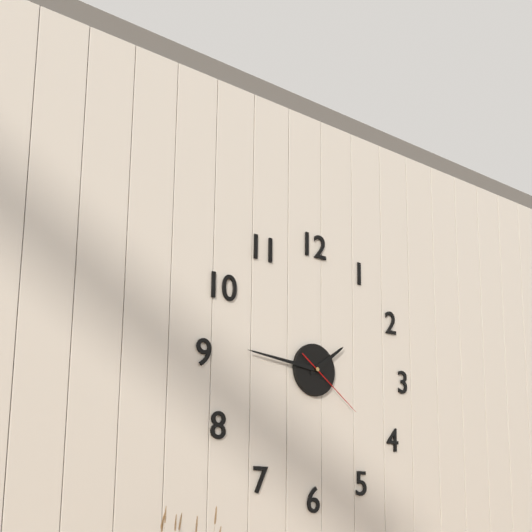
1.46.21
